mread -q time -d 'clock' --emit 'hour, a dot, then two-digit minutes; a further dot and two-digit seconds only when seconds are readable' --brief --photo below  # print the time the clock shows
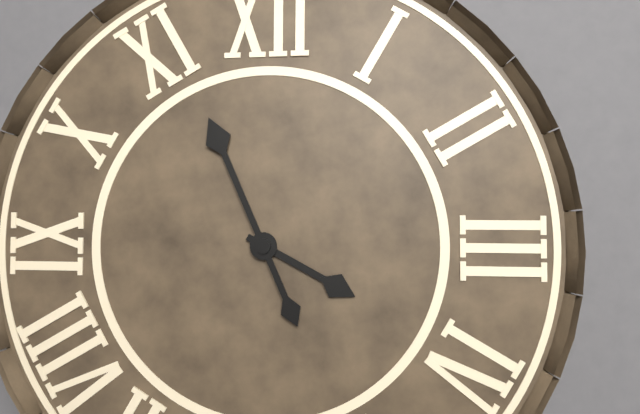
3.56
